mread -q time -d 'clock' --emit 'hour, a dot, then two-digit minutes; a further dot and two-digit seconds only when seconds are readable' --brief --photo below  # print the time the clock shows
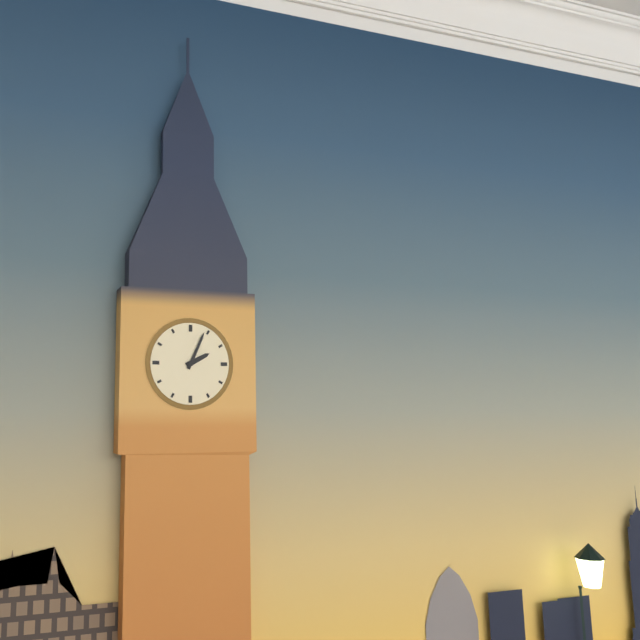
2.04
